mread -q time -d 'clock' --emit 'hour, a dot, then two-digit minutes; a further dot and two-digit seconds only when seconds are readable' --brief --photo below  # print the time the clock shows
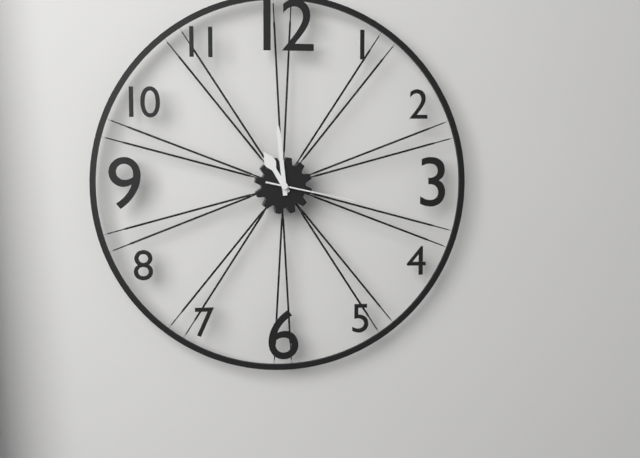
10.59.17
